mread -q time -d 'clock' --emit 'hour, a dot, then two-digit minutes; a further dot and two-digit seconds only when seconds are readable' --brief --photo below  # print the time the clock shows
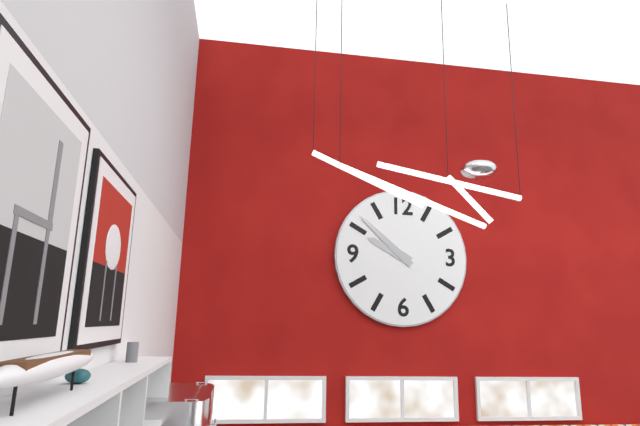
9.52
